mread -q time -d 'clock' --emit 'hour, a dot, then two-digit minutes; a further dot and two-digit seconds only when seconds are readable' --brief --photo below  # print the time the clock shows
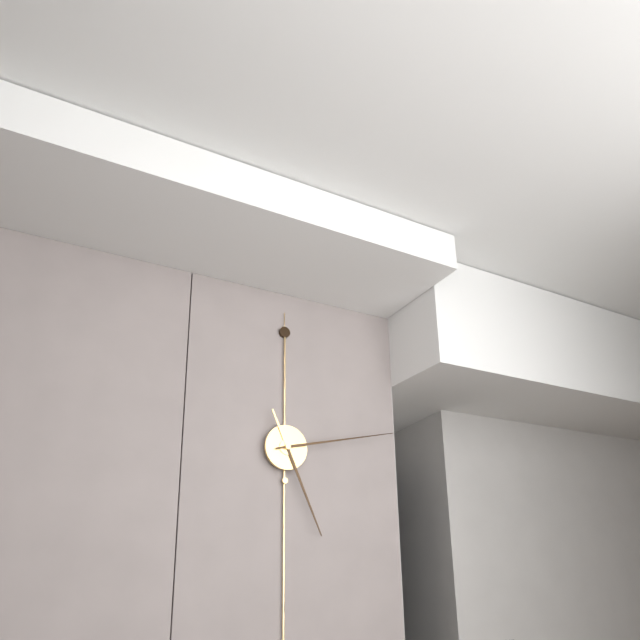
5.13
